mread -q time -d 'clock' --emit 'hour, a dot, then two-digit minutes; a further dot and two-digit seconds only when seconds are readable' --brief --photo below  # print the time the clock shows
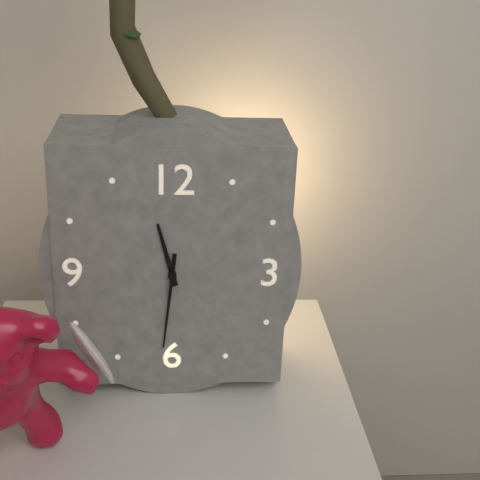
11.31
